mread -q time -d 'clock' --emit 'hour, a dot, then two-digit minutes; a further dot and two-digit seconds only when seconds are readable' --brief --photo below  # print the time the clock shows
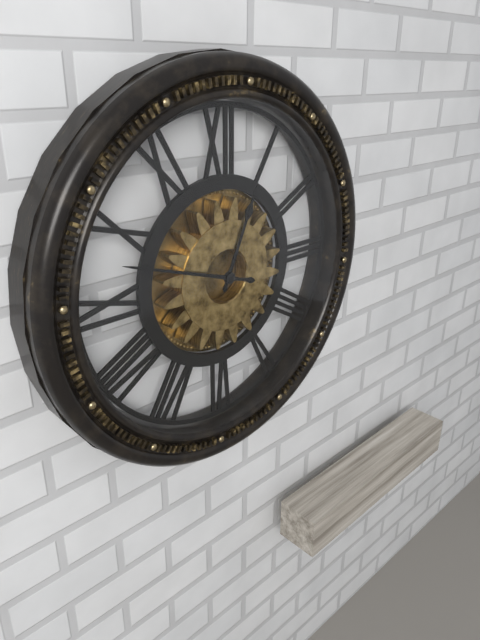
12.48
